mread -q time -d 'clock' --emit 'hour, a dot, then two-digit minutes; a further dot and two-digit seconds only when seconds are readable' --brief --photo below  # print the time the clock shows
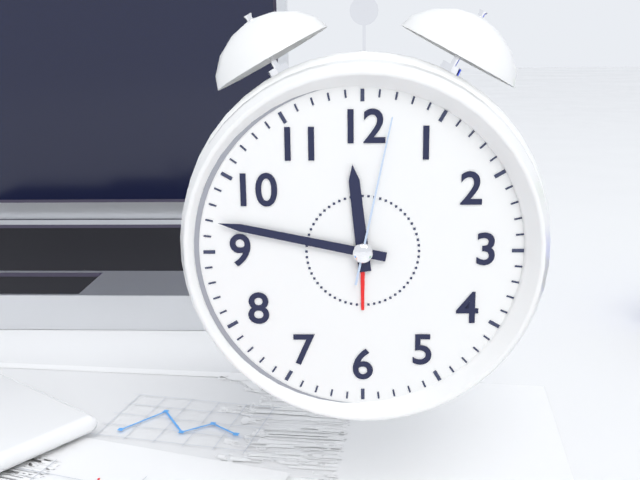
11.47.02
